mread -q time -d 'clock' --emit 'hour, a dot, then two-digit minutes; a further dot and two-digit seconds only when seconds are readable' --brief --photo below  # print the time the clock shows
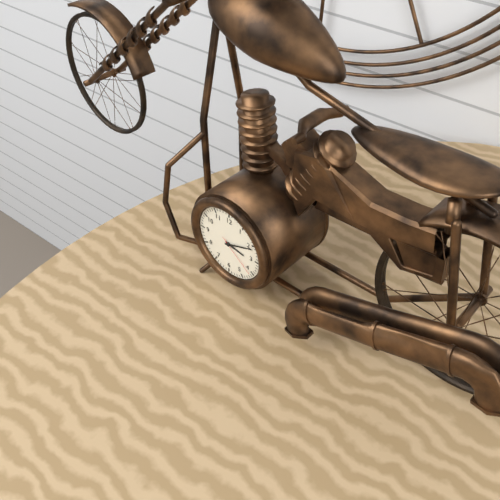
3.11
